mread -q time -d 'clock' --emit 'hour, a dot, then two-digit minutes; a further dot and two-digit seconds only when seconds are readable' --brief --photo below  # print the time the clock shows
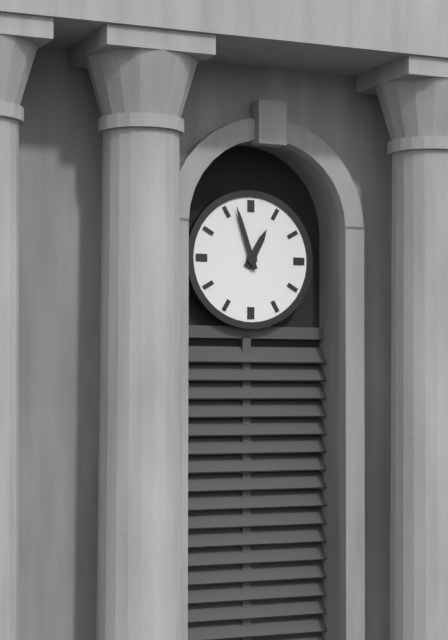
12.57
